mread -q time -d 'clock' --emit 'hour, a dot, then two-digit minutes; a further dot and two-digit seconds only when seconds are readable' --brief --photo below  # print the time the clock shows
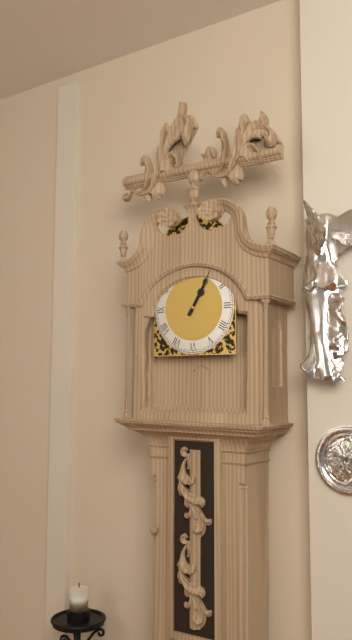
1.05
